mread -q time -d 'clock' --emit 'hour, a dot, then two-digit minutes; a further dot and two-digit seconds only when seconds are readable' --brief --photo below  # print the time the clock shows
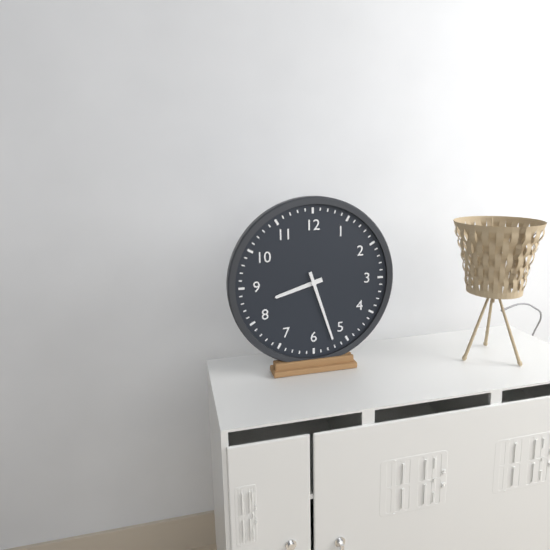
8.27
